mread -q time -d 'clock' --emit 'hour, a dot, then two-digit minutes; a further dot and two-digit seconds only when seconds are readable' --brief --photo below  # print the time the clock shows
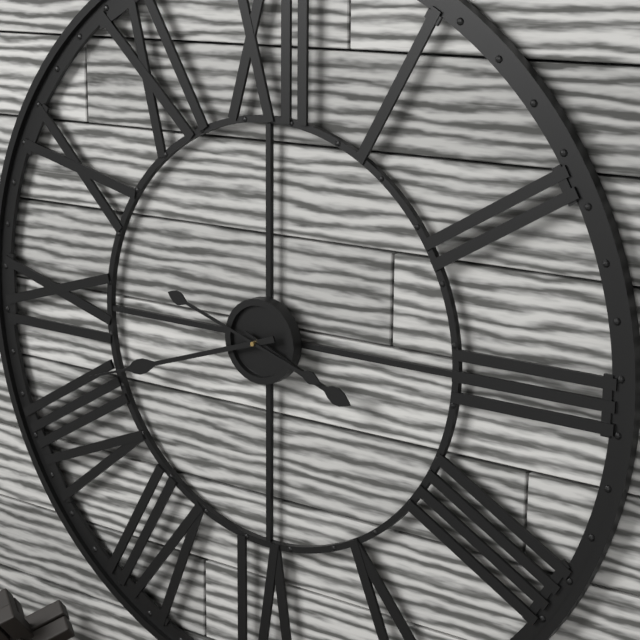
3.42.48
